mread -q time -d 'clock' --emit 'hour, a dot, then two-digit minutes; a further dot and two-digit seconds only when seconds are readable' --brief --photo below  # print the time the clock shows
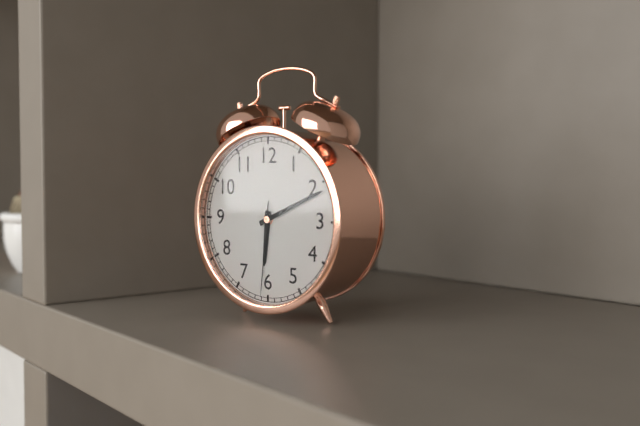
6.11.31
